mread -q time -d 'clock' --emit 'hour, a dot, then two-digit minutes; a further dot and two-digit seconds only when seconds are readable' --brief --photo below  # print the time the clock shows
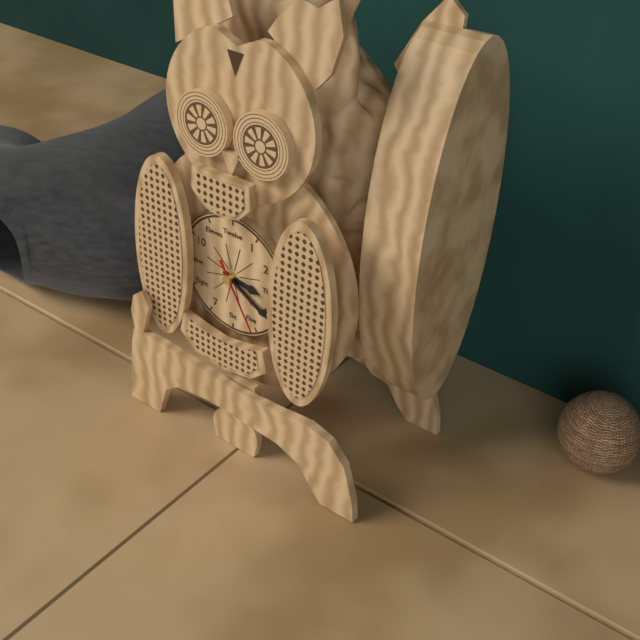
3.20.25
